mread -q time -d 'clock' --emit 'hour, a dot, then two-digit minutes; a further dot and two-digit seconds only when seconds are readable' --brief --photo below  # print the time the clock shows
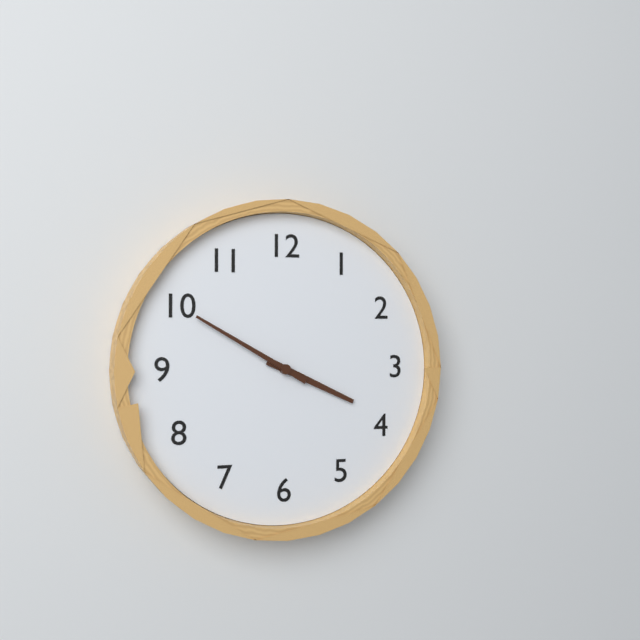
3.50
